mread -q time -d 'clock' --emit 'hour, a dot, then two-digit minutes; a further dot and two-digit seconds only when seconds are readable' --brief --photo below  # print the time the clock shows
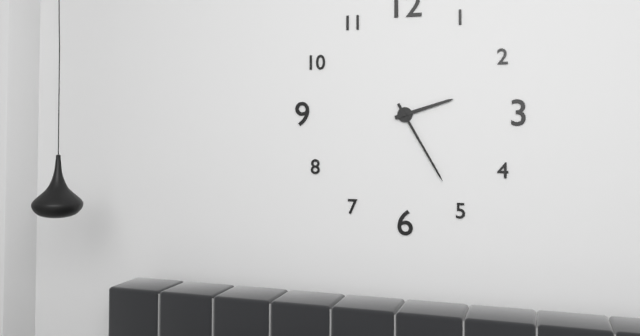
2.25
